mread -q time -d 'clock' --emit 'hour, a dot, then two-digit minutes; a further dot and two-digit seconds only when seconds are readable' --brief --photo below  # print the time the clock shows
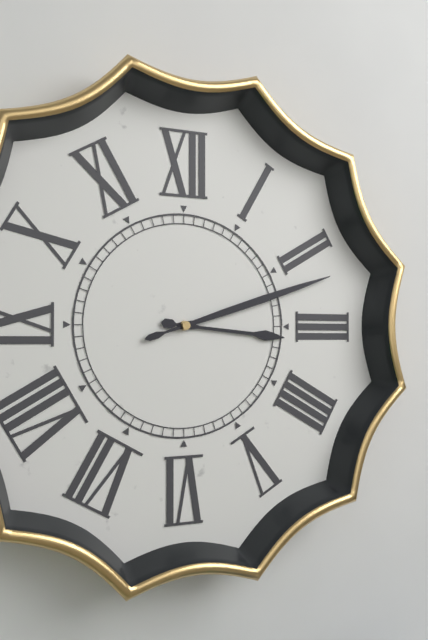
3.12
